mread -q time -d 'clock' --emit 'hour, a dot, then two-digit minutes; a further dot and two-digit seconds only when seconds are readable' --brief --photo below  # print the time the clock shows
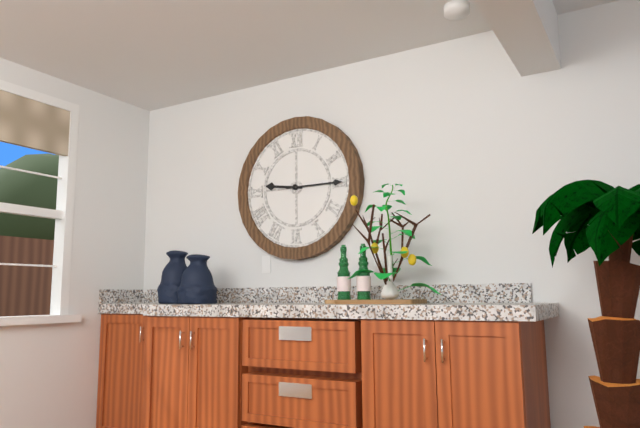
9.15
